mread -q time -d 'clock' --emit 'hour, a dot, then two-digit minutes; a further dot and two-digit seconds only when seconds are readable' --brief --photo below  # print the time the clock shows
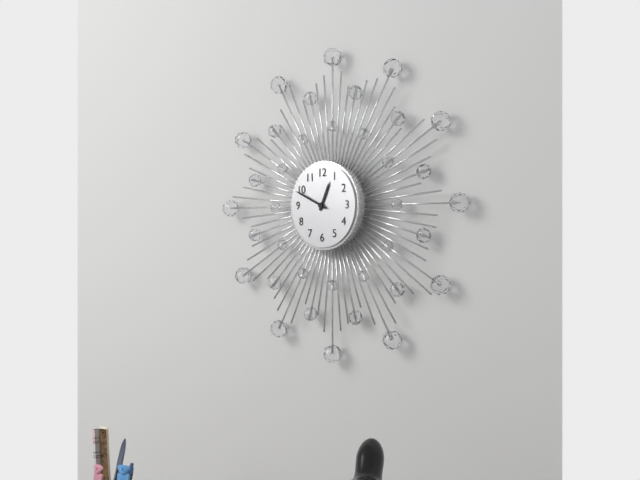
12.49
